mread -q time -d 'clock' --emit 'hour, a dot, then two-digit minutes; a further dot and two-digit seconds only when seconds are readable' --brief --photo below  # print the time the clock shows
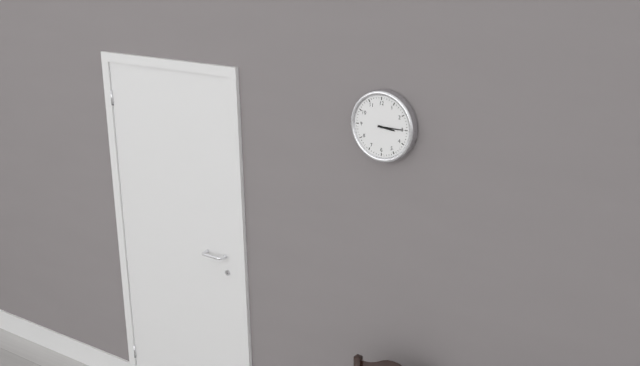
3.15
